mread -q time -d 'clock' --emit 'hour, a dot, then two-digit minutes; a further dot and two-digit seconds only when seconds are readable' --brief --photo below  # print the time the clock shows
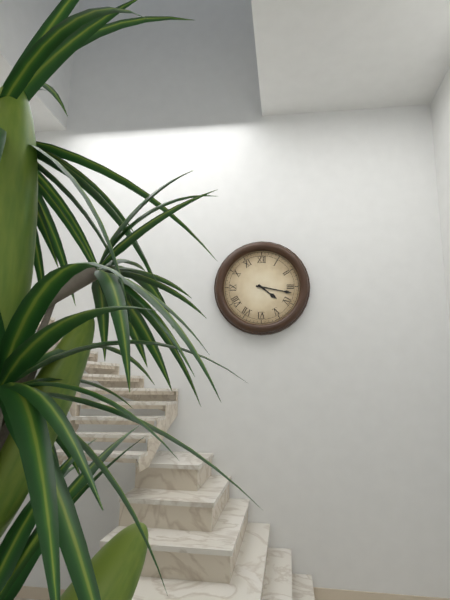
4.17
